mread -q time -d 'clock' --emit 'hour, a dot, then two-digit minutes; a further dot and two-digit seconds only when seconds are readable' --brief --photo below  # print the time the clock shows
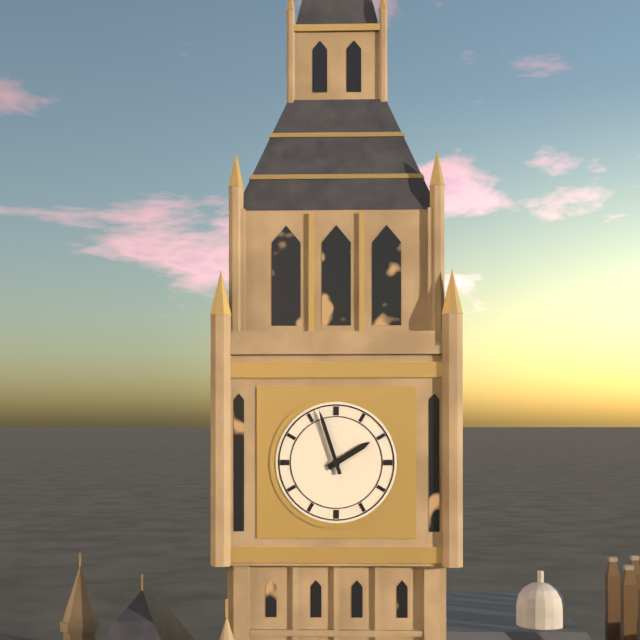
1.57
